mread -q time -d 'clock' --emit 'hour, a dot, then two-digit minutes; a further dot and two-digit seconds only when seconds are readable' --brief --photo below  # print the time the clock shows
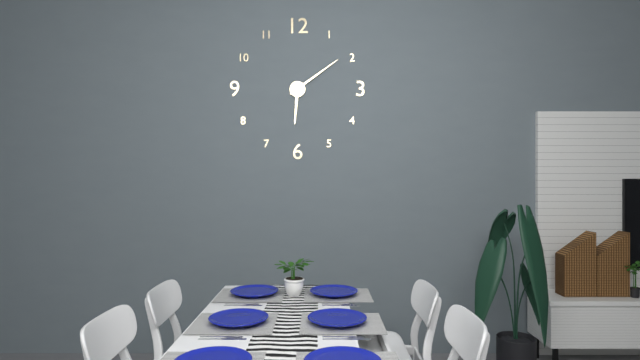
6.09
